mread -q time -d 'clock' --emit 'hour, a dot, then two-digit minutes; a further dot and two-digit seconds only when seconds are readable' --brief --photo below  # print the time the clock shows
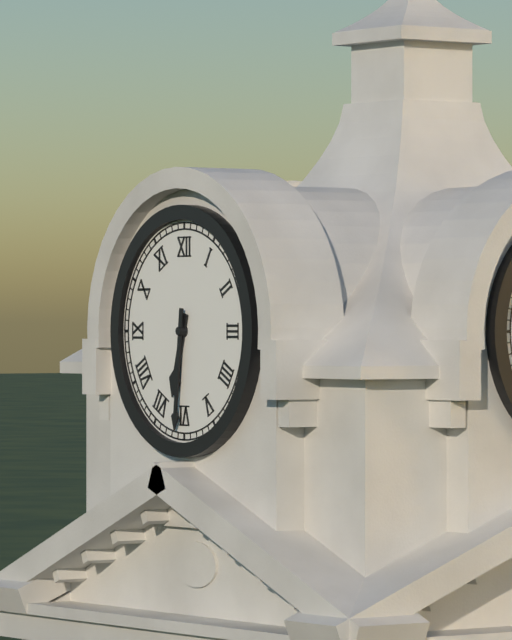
6.31
